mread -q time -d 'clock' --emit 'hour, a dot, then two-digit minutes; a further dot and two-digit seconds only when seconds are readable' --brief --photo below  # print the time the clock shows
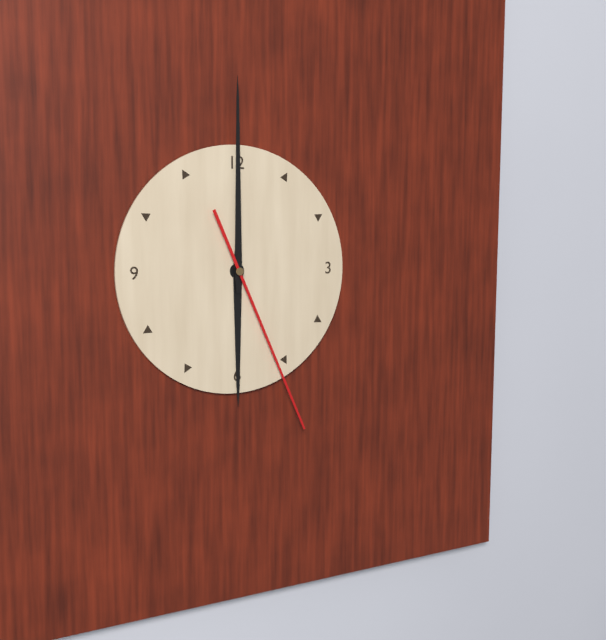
6.00.26
